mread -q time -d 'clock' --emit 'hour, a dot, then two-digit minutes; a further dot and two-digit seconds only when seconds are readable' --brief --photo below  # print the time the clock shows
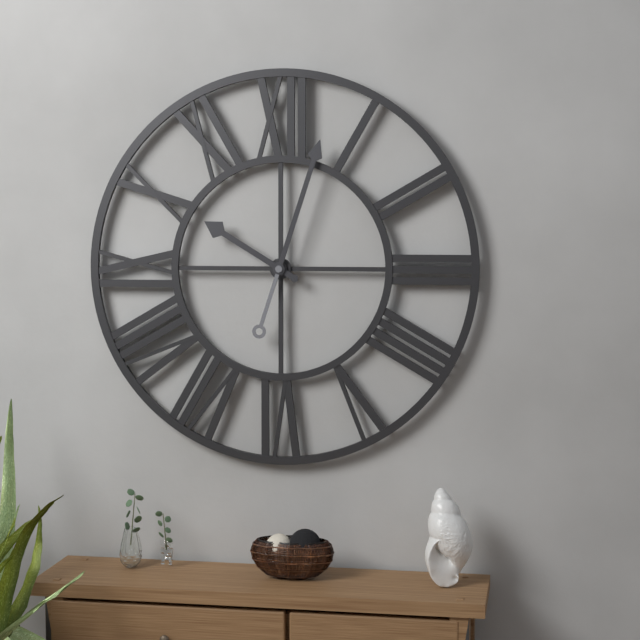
10.03
